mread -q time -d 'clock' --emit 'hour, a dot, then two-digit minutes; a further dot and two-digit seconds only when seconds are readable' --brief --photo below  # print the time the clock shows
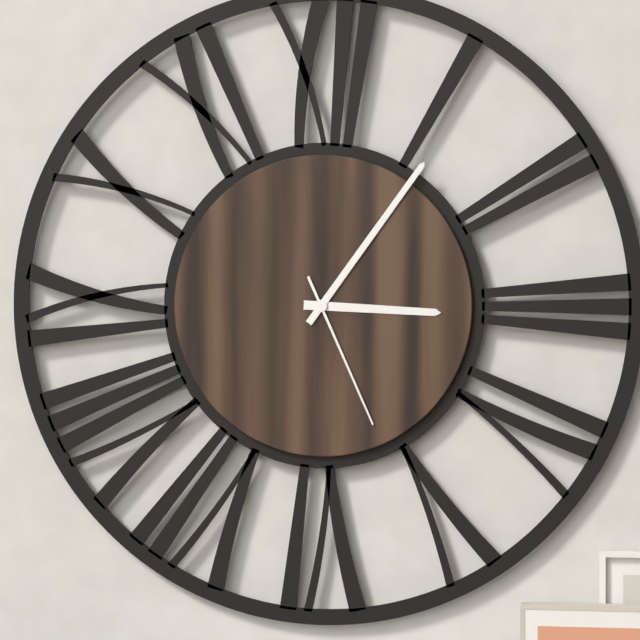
3.06.26
